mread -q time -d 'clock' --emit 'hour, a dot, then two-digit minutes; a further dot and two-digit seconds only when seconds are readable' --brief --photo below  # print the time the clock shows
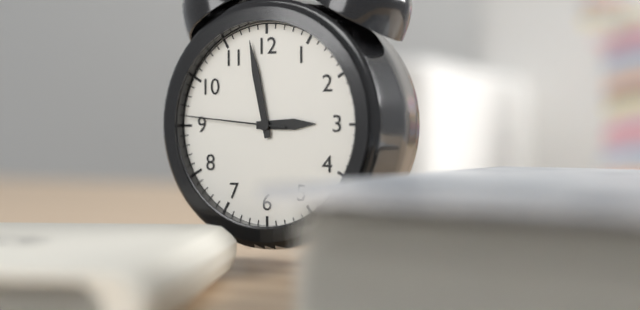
2.58.46
